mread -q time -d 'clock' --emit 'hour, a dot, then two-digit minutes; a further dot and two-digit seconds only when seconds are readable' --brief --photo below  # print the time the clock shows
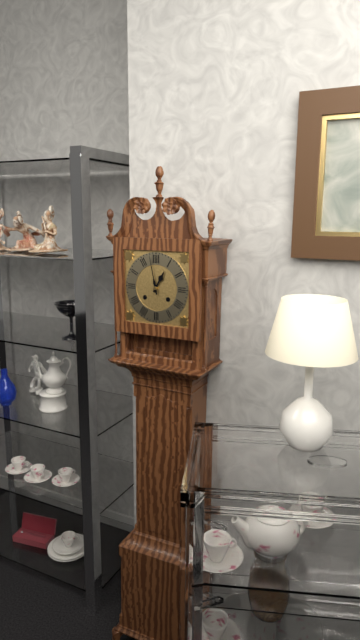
12.58
